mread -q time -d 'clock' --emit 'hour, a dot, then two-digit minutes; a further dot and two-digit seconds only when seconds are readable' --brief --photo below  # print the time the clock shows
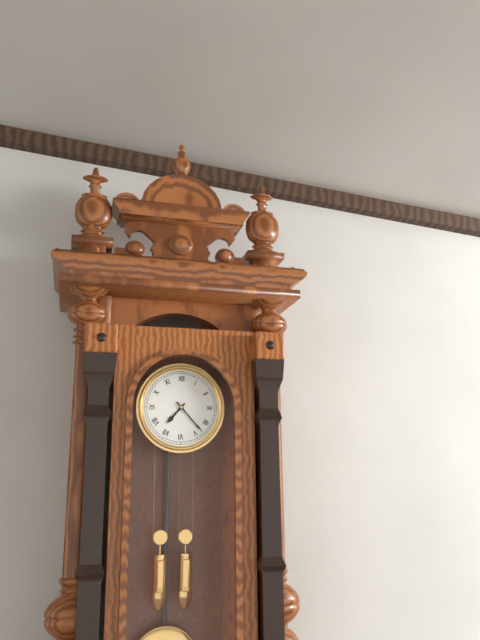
7.23
